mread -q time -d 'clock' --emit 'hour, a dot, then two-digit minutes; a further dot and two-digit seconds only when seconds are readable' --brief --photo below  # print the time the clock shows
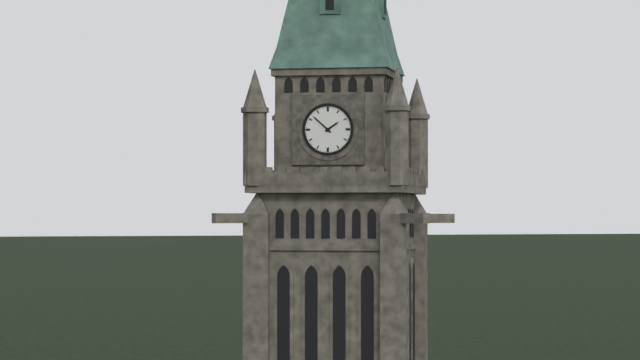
1.52
